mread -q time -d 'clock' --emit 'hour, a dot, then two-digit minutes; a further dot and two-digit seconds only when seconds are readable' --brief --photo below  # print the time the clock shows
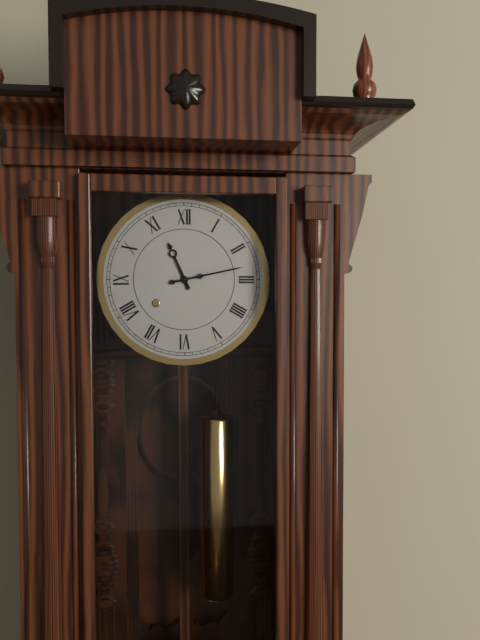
11.13
